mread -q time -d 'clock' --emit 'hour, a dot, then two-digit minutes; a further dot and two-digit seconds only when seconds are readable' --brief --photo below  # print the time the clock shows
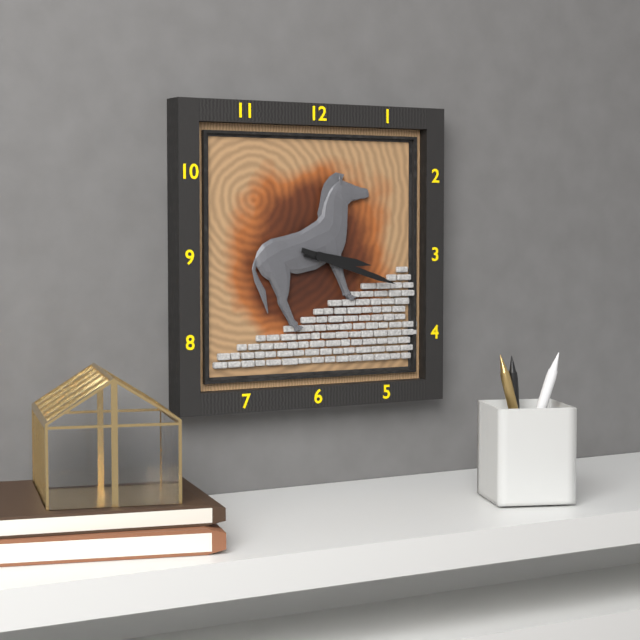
3.18
